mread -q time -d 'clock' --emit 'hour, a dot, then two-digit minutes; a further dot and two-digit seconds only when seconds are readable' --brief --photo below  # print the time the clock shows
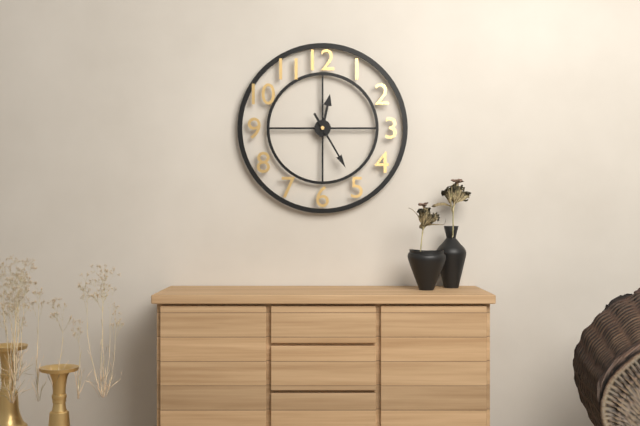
12.25
